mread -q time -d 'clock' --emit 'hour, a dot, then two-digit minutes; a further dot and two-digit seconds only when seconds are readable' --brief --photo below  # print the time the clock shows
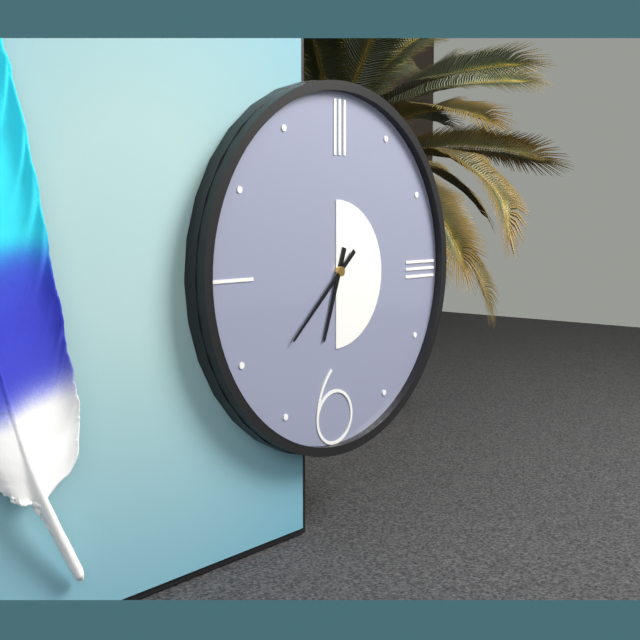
6.38
